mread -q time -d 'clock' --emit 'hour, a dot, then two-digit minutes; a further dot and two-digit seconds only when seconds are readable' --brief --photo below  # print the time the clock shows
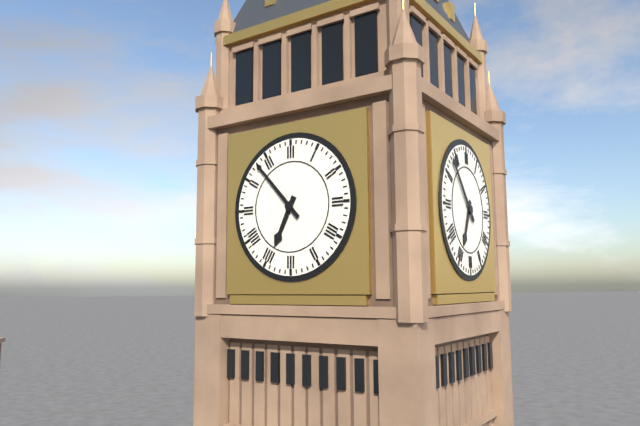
6.53
